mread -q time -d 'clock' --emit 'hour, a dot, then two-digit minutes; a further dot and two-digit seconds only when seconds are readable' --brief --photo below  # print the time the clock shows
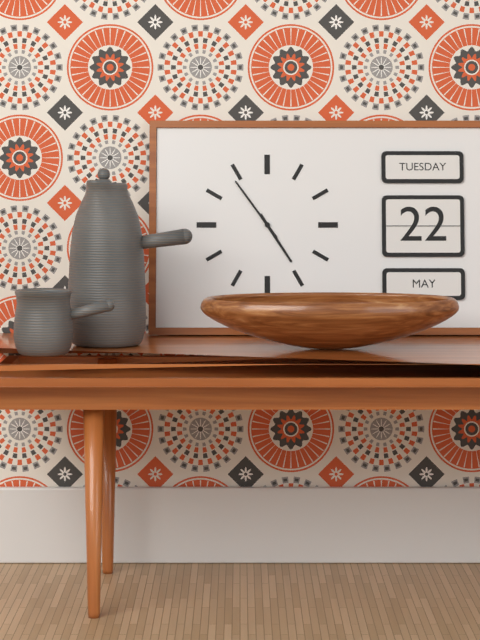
4.54
